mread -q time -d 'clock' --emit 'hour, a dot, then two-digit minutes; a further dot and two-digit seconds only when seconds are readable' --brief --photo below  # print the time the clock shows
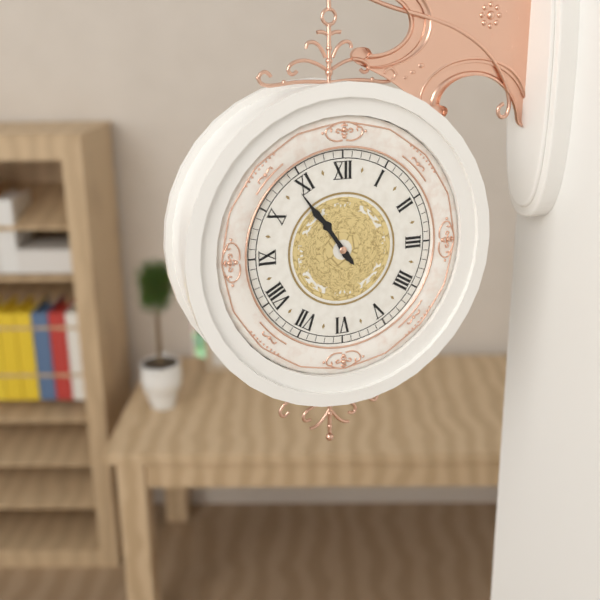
10.54
